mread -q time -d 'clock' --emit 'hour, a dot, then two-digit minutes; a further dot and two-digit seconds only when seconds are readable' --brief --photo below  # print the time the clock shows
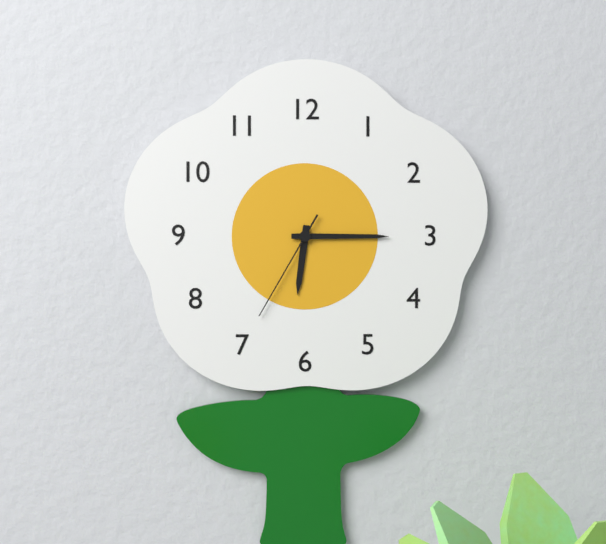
6.15.35
